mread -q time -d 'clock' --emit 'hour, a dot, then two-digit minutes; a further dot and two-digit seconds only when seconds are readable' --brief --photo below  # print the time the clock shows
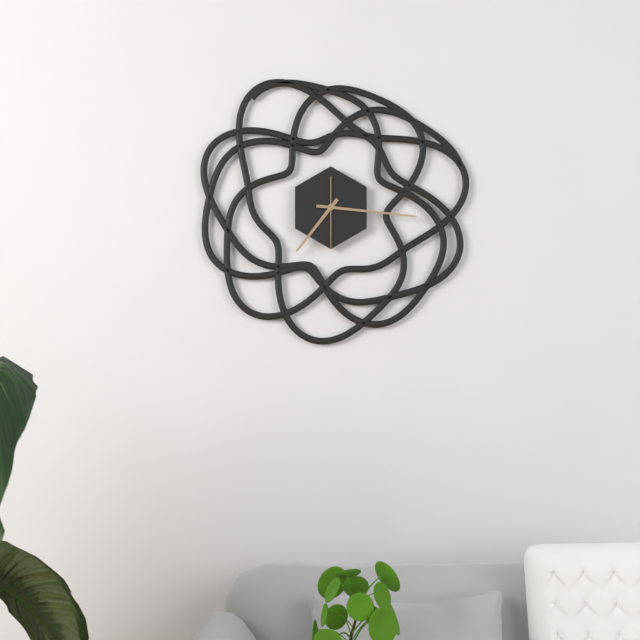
7.16.30
